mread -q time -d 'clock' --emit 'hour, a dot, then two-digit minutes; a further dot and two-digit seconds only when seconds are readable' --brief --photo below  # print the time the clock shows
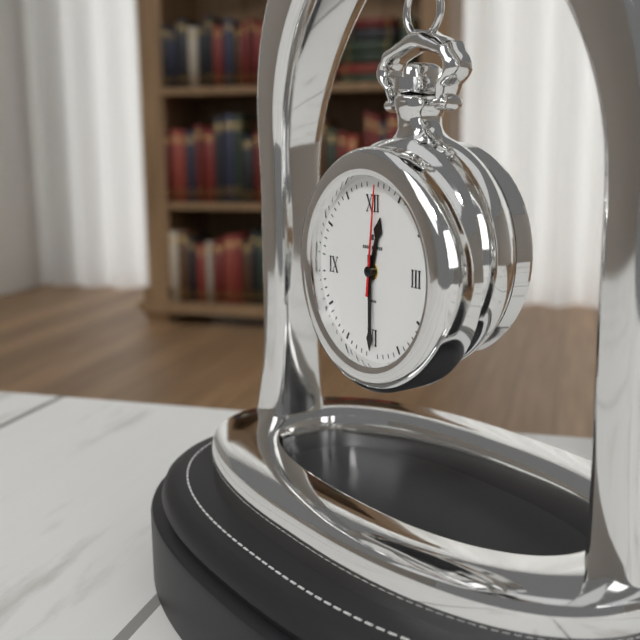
12.30.01
